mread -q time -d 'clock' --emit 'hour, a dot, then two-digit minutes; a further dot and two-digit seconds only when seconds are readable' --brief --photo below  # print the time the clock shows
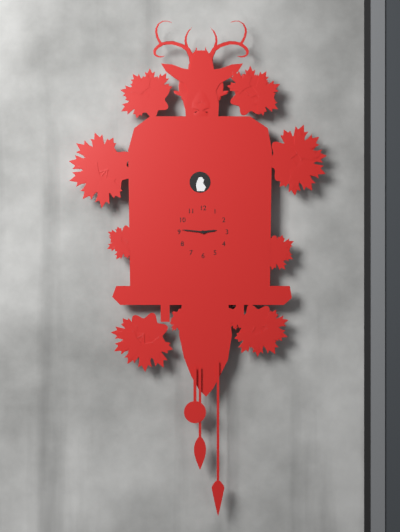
2.46
